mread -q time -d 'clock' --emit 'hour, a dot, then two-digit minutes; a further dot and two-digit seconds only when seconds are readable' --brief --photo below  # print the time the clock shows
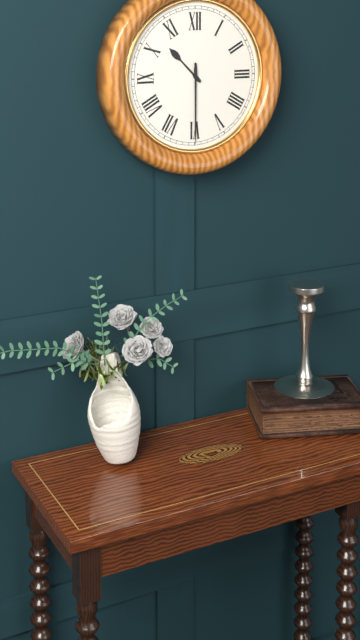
10.30
